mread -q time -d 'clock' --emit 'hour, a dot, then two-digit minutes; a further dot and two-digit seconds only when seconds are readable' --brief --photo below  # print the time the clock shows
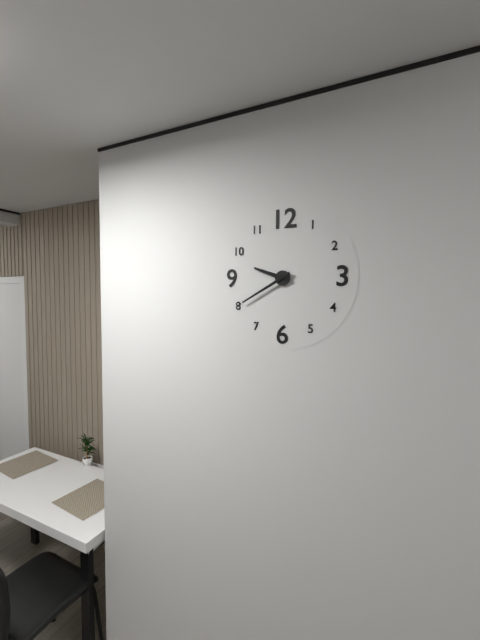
9.40
